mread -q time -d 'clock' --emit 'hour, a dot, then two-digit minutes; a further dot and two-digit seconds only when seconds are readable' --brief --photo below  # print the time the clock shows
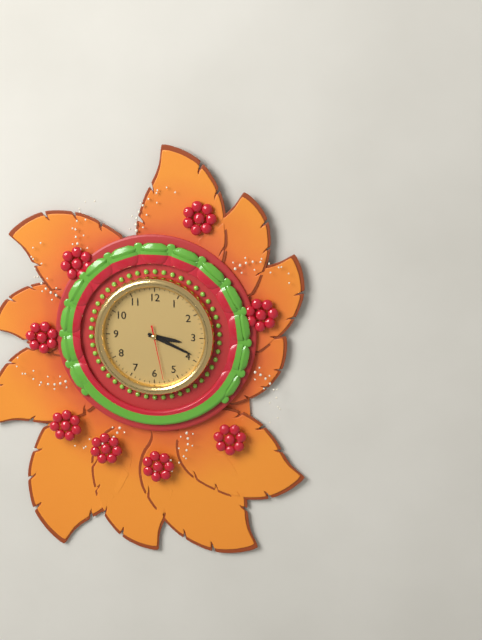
3.19.28
